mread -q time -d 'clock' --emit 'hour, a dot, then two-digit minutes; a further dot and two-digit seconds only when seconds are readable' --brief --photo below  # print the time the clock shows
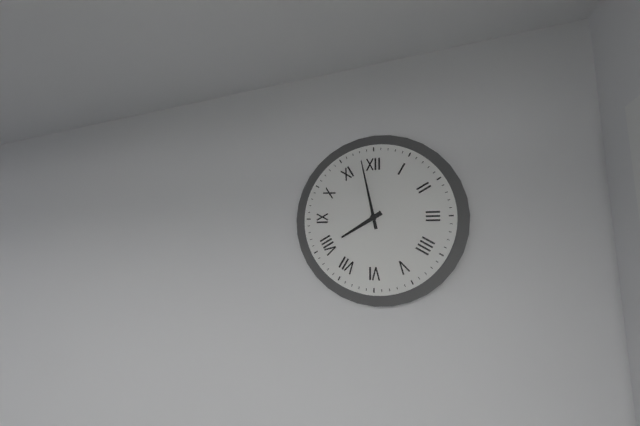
7.58
